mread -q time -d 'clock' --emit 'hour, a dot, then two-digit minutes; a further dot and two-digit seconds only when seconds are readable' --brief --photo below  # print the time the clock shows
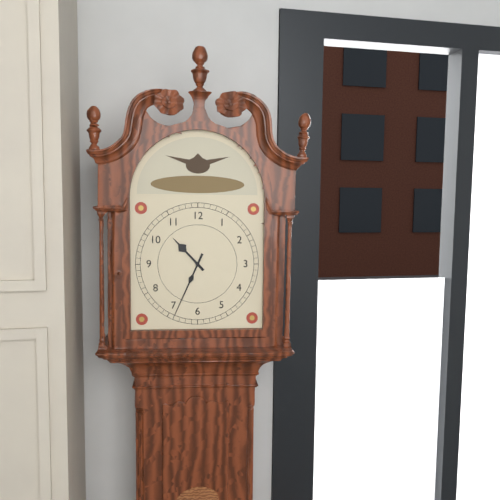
10.34
